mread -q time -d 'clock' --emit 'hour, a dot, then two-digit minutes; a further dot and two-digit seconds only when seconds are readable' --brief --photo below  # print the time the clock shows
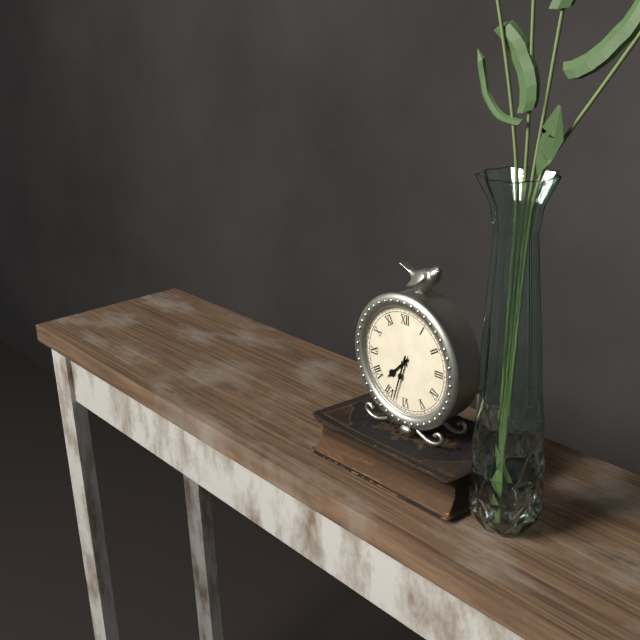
7.33
